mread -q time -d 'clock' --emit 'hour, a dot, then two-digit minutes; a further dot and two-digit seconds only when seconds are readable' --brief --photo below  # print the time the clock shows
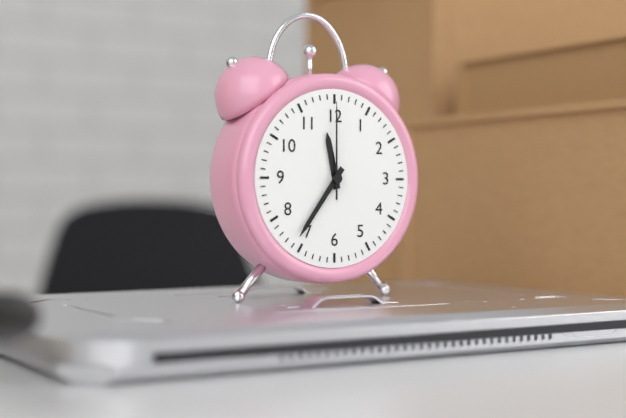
11.36.00
